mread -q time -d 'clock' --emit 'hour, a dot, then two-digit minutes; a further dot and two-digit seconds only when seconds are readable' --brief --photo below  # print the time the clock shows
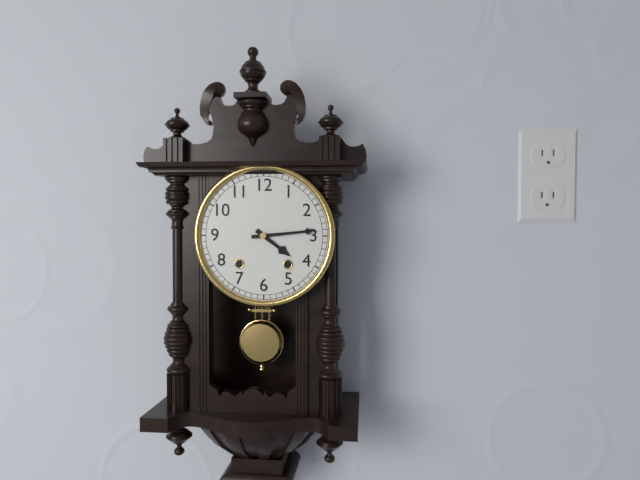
4.14
